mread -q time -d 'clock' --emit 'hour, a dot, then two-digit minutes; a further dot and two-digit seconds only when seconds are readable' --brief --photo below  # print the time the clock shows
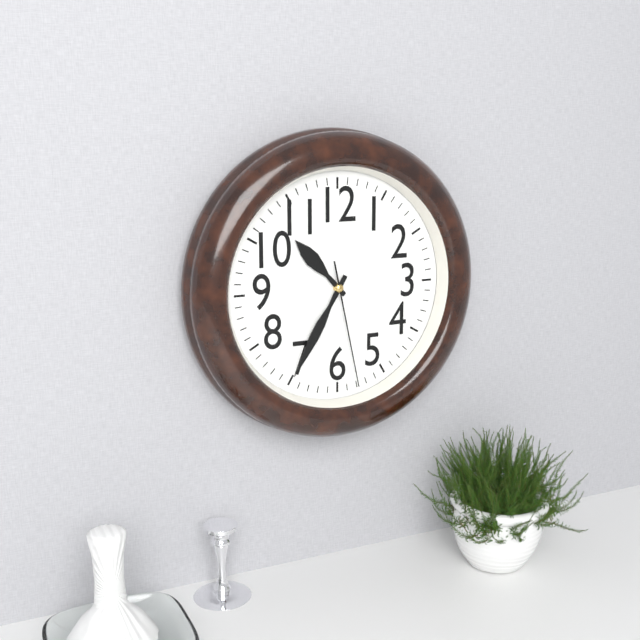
10.35.28
